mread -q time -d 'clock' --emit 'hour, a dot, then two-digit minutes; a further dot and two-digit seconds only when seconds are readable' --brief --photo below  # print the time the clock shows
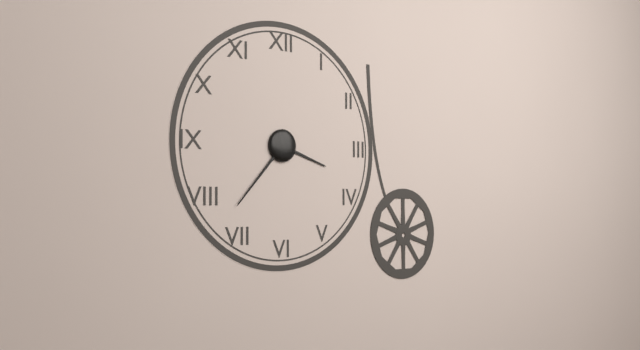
3.37
